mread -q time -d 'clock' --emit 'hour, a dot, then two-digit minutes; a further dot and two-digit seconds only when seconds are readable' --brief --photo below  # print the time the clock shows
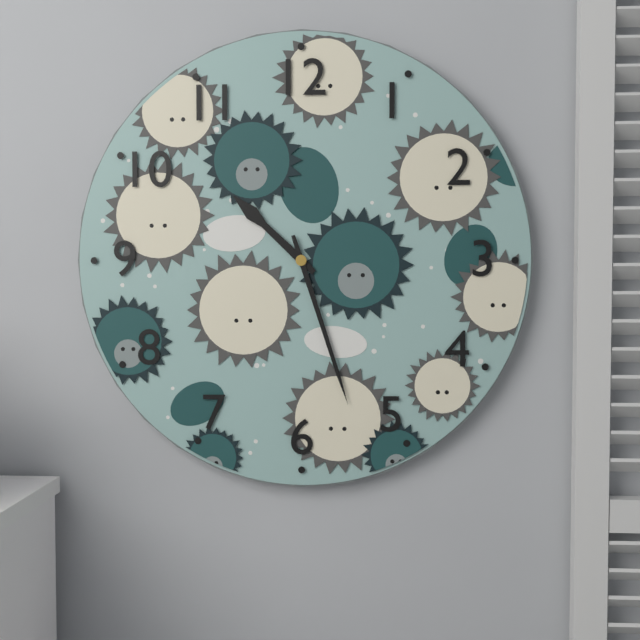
10.27
